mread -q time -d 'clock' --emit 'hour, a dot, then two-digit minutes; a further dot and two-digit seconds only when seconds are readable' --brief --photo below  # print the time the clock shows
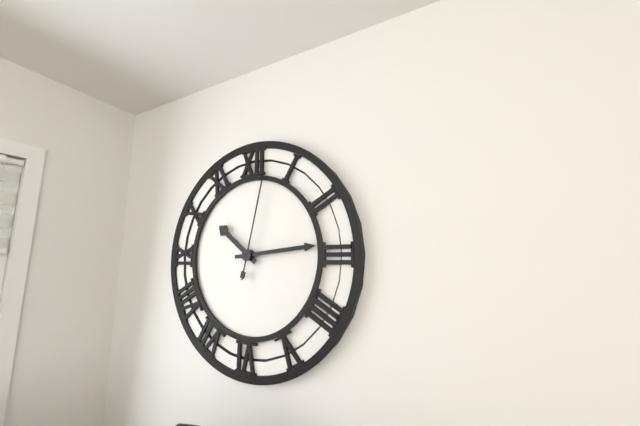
10.14.02
